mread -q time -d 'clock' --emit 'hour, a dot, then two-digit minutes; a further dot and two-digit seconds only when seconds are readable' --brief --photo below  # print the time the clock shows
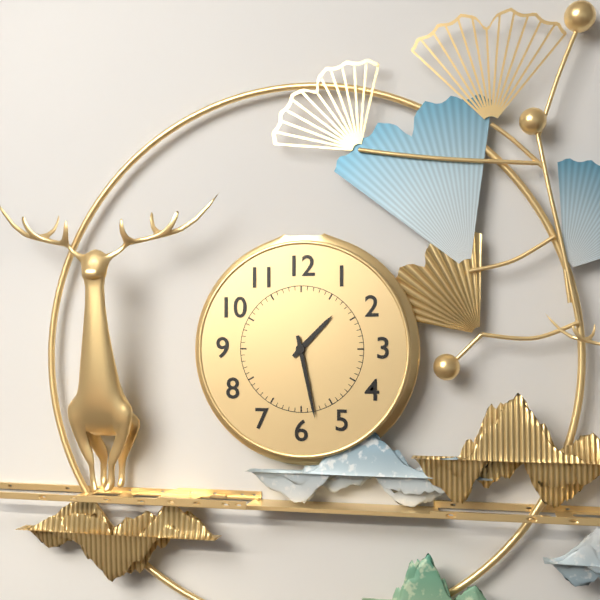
1.28
